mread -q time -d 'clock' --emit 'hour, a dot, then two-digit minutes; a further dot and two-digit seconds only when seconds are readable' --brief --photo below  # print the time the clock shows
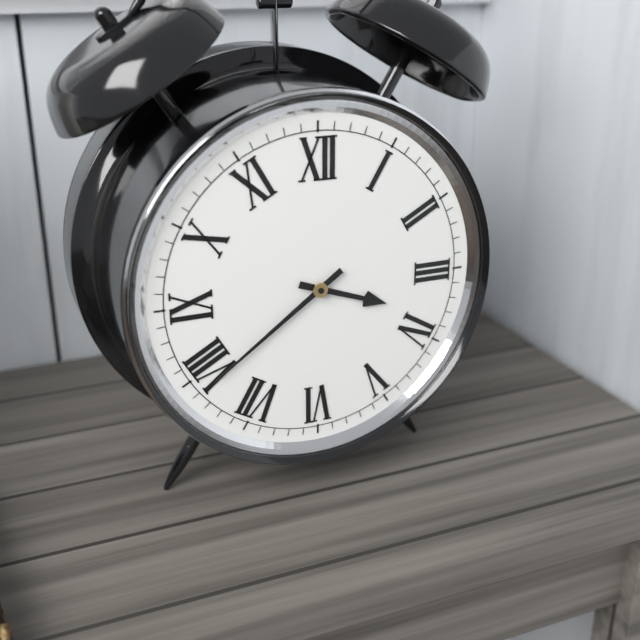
3.39
